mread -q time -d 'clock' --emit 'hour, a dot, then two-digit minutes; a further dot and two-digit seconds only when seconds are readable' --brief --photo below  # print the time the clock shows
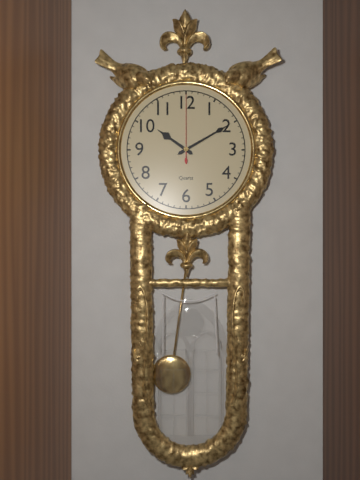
10.10.00
